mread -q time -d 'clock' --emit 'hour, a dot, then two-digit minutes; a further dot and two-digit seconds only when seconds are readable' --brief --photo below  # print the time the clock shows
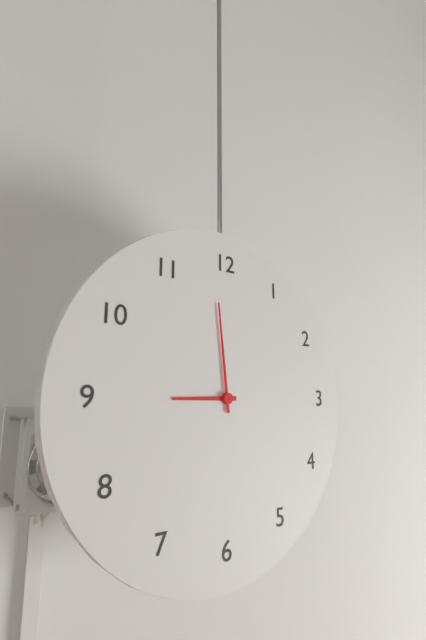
8.59
